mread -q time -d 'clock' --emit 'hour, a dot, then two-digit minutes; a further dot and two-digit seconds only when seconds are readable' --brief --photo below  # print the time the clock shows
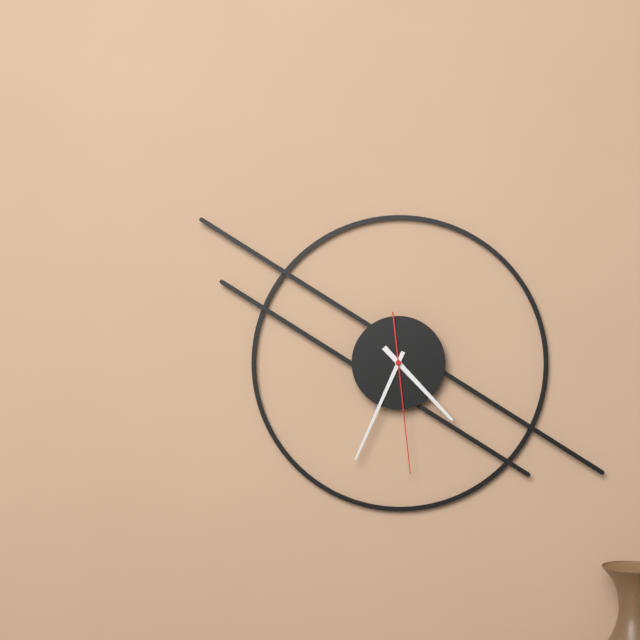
4.34.29
